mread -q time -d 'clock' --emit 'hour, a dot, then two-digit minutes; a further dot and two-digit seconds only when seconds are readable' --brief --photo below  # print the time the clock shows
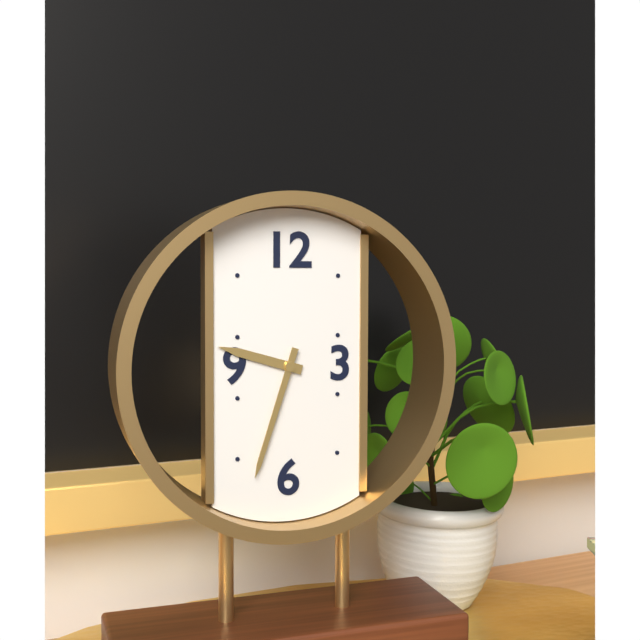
9.33
